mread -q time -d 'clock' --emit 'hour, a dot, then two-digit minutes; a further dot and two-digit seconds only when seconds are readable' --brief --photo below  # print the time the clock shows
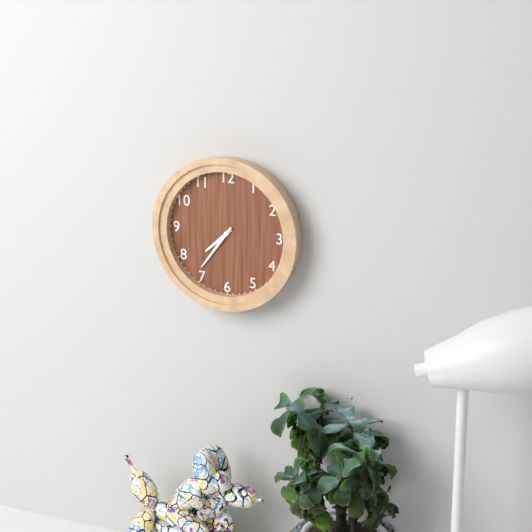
7.36
